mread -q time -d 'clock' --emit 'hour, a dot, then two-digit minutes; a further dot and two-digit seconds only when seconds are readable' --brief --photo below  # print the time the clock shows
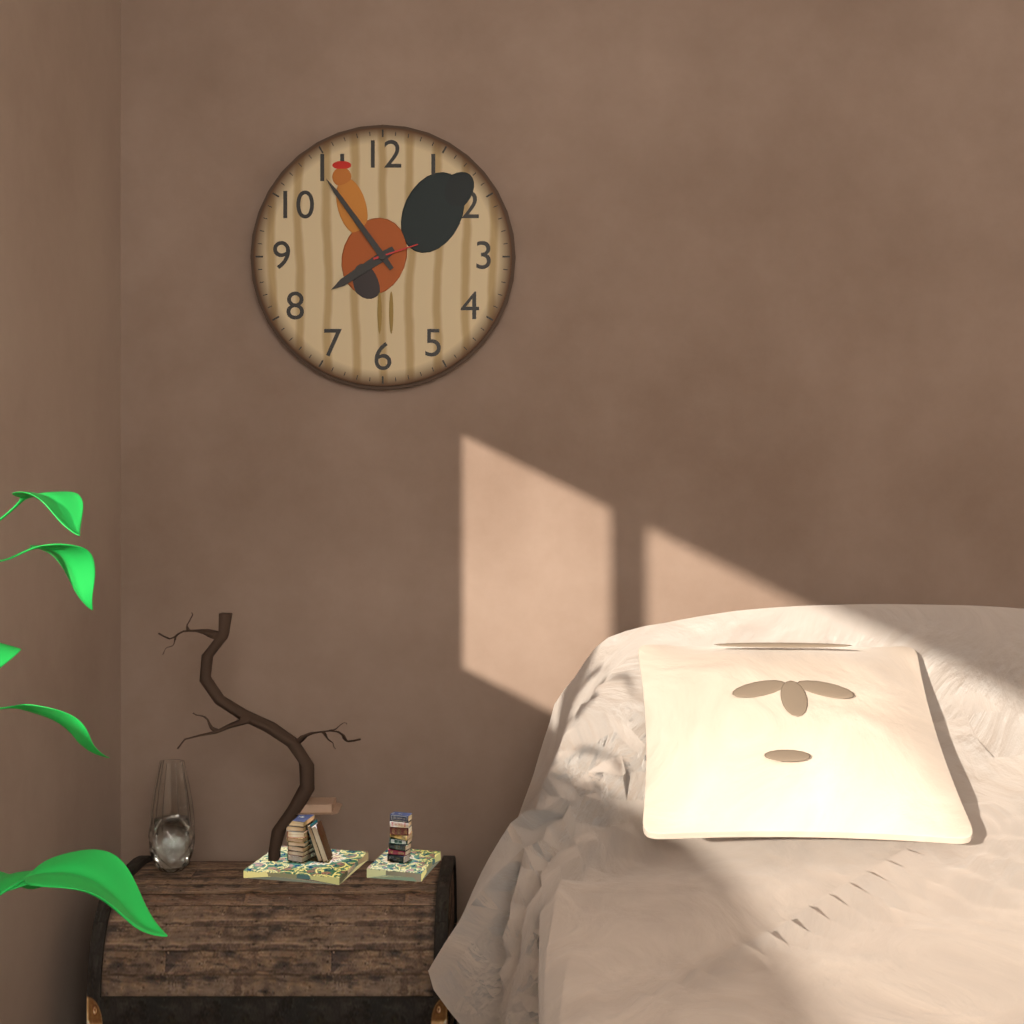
7.54
